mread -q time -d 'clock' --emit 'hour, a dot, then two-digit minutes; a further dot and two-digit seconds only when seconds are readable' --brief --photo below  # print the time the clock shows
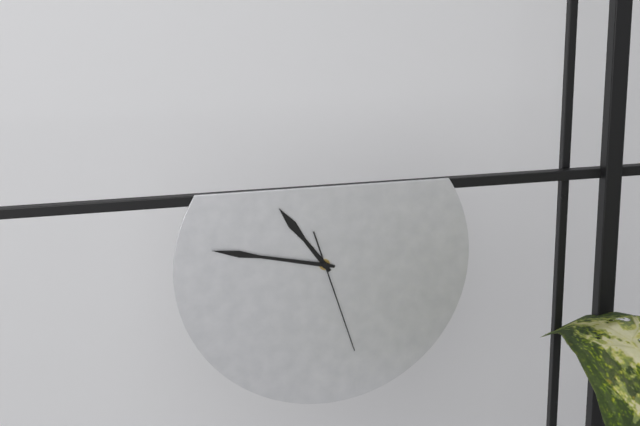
10.47.27
